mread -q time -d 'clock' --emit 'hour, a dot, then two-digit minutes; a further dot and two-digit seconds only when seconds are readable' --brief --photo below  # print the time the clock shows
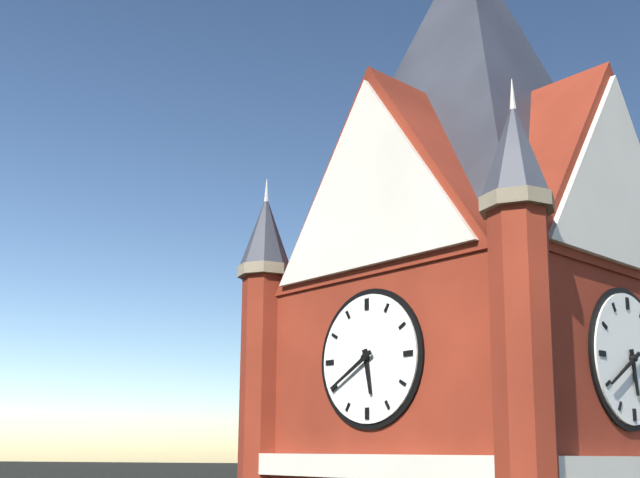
5.40
